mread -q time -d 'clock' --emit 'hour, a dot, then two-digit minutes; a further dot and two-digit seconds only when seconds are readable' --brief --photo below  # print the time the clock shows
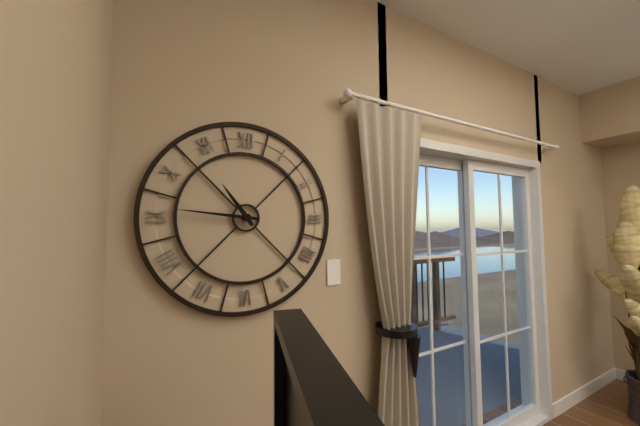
10.46
